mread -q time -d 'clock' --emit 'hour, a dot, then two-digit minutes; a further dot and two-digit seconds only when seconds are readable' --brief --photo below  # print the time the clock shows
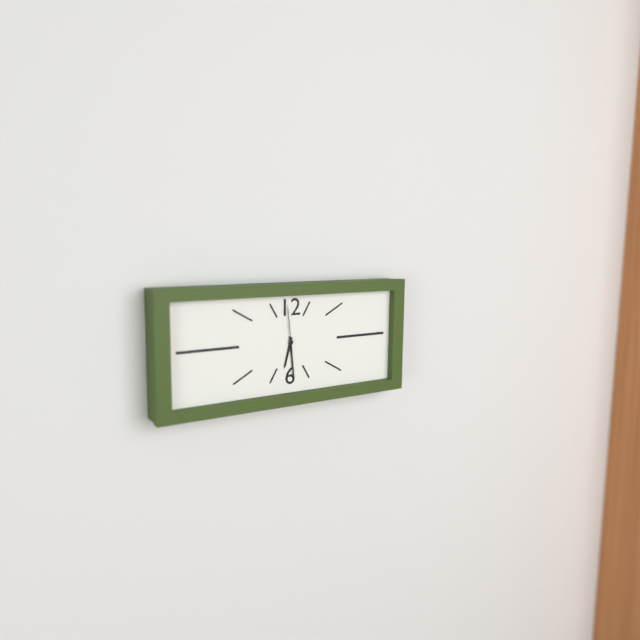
6.29
